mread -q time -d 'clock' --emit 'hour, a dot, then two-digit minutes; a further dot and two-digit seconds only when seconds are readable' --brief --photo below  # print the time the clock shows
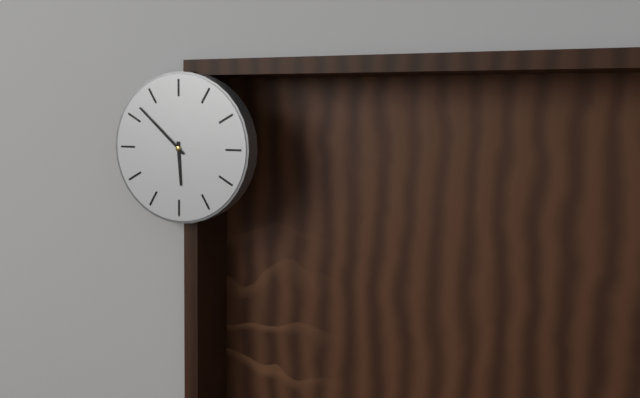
5.52
